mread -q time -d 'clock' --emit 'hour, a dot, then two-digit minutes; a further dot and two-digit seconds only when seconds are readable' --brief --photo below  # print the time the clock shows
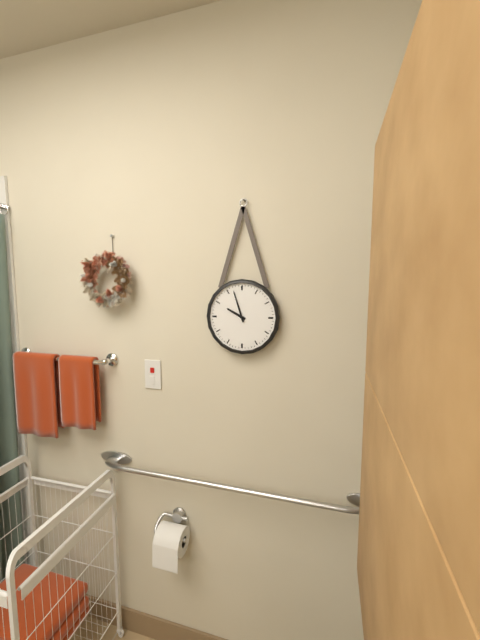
9.57
